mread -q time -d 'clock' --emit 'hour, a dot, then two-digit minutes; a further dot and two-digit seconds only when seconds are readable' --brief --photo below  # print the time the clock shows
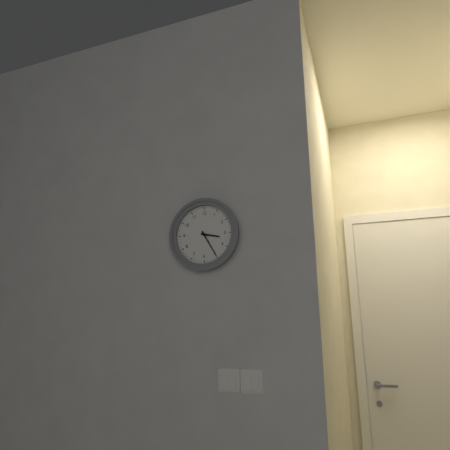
3.25
